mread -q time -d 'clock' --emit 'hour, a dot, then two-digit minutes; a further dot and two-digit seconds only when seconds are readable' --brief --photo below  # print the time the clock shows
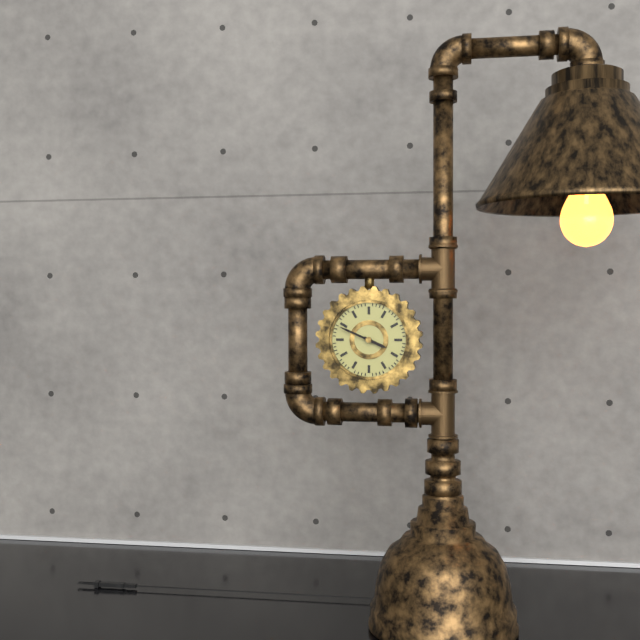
3.49
